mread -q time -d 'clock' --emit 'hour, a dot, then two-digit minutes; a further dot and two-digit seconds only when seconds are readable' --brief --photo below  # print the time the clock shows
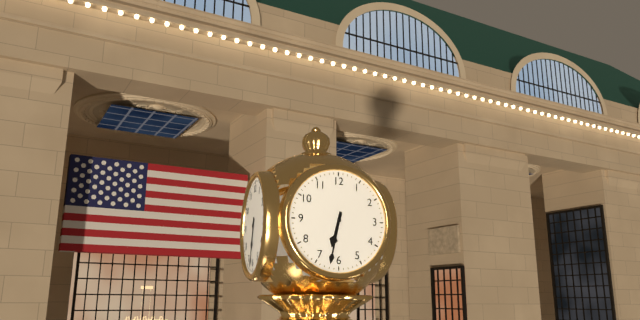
6.32
